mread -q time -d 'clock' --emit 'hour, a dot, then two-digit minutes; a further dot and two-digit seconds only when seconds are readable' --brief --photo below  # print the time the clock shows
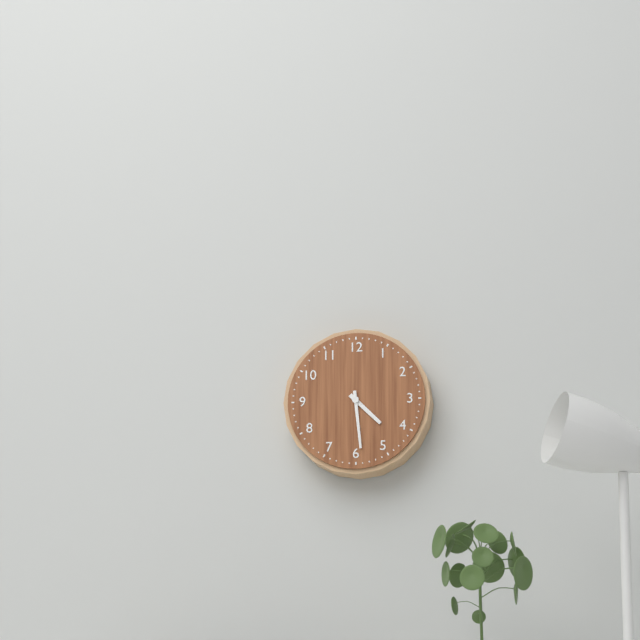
4.29
